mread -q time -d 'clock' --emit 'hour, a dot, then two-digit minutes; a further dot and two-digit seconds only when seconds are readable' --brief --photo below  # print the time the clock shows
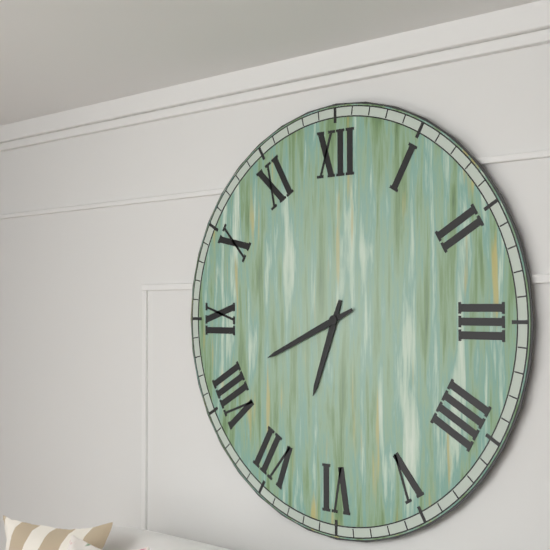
6.41
